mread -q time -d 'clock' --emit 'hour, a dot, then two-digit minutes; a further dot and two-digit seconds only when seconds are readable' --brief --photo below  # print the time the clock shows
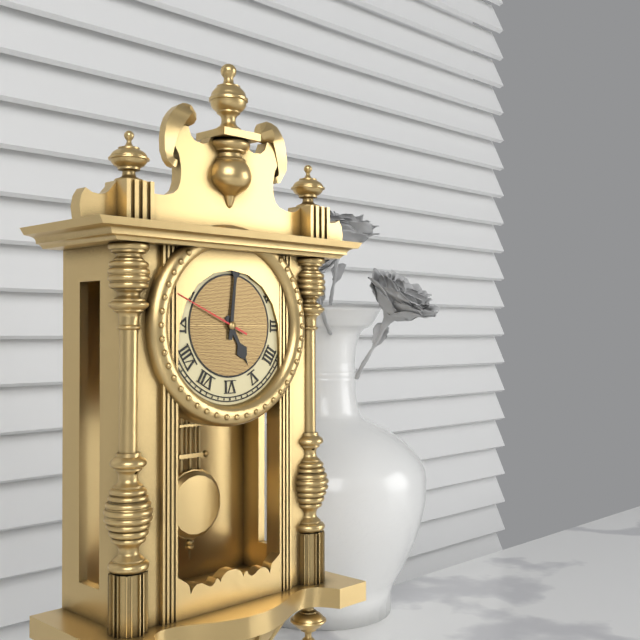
5.01.49
